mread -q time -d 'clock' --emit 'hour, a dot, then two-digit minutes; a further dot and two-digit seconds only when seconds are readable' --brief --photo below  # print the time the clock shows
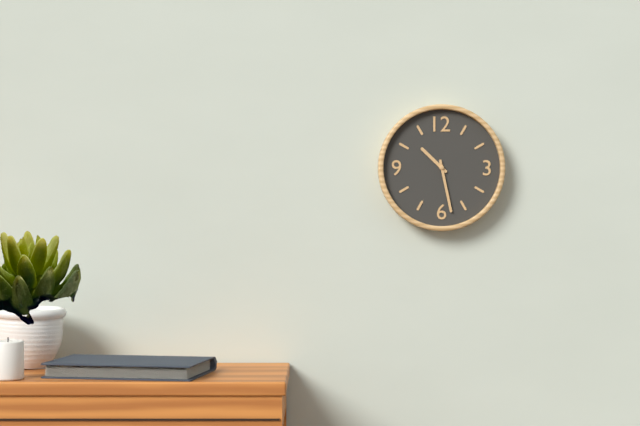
10.28
